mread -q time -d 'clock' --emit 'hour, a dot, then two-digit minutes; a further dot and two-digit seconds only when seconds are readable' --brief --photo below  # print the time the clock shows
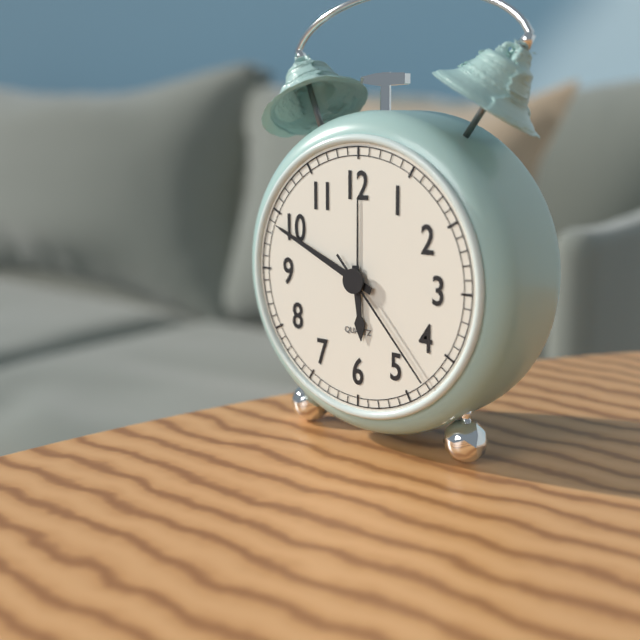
5.49.23
